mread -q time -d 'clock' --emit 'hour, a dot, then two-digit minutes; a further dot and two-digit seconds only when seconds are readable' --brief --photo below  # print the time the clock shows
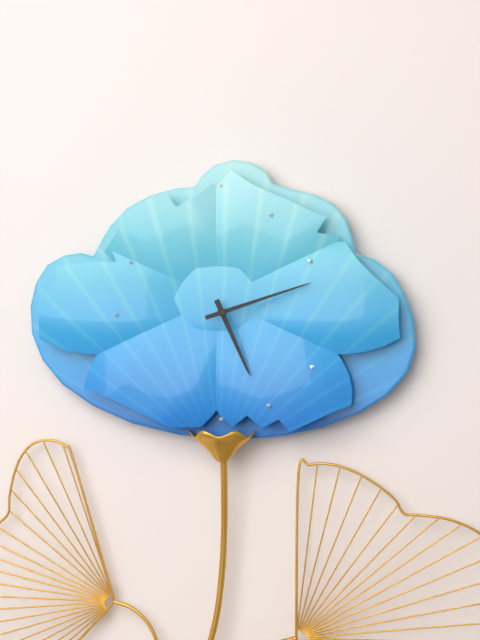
5.12
